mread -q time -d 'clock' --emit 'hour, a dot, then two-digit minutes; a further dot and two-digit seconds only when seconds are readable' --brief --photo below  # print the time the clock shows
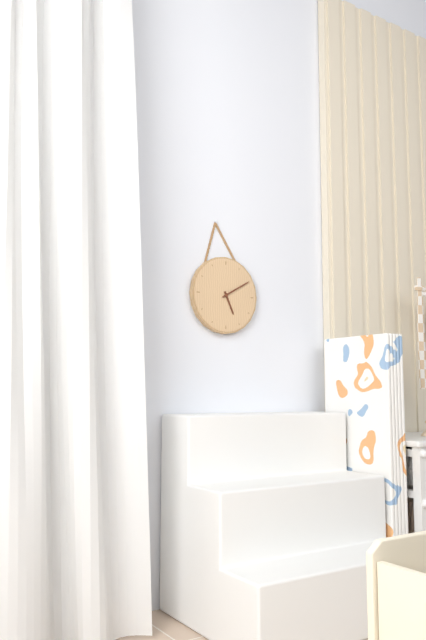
5.10
